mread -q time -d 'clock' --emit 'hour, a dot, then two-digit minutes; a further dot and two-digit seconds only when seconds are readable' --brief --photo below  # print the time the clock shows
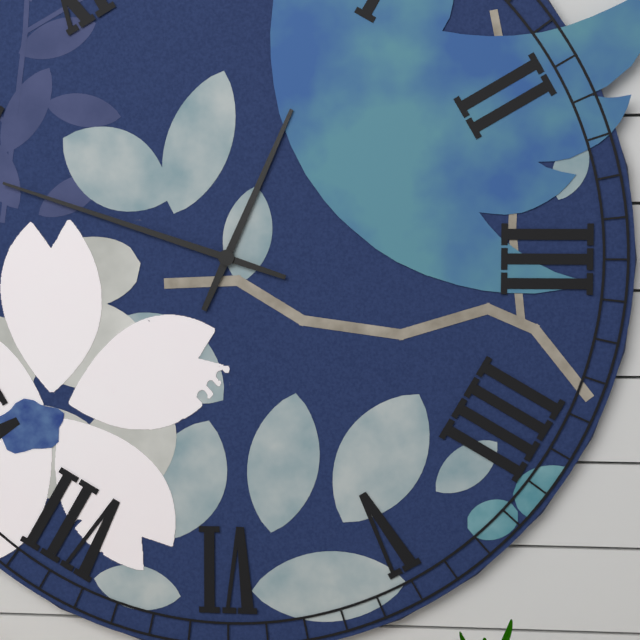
12.48
